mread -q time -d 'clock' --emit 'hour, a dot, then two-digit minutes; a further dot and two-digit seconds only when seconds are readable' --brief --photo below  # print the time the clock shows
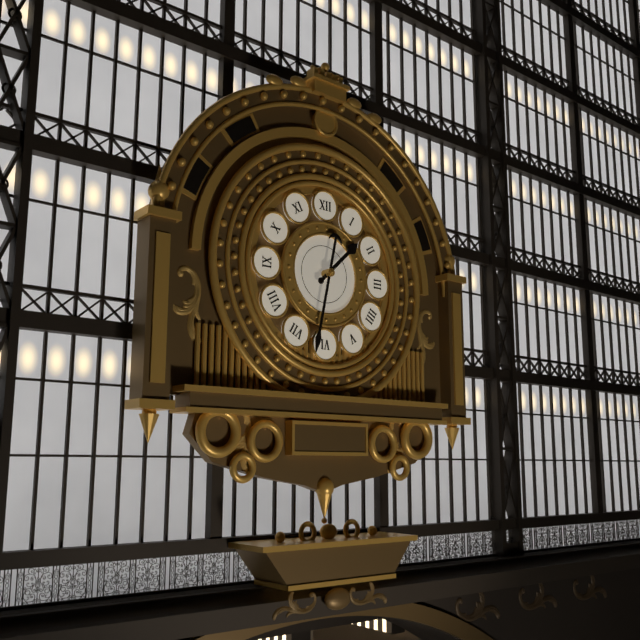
1.32
